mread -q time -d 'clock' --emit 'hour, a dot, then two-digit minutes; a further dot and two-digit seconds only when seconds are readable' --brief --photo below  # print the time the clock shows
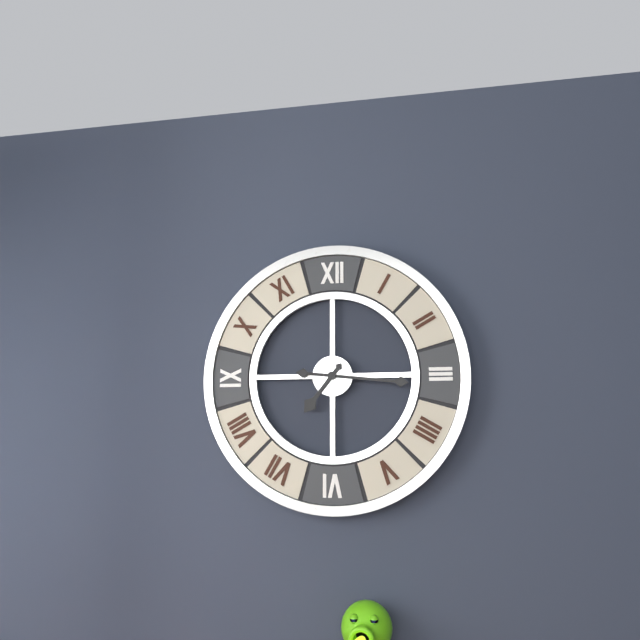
7.16
